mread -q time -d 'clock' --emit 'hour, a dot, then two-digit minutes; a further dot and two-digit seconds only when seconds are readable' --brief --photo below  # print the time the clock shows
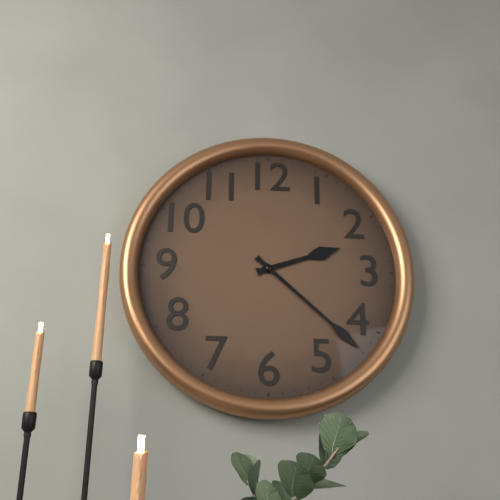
2.22
